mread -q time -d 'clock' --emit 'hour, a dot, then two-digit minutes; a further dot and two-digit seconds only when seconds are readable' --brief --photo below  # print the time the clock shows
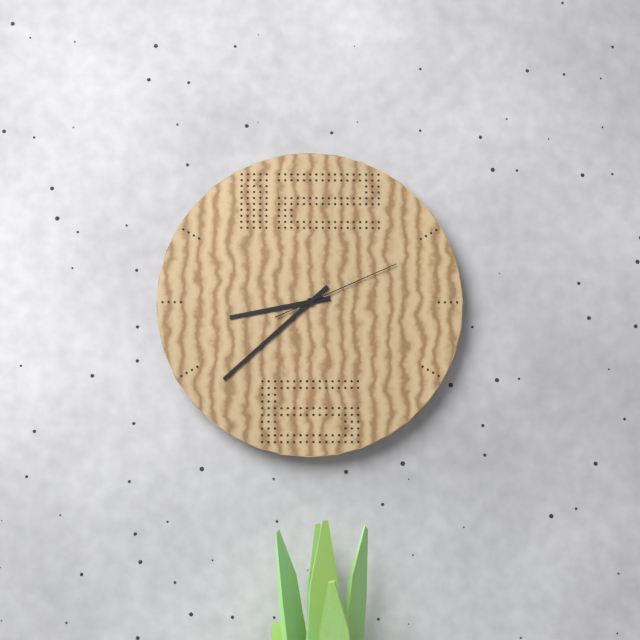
8.38.11
